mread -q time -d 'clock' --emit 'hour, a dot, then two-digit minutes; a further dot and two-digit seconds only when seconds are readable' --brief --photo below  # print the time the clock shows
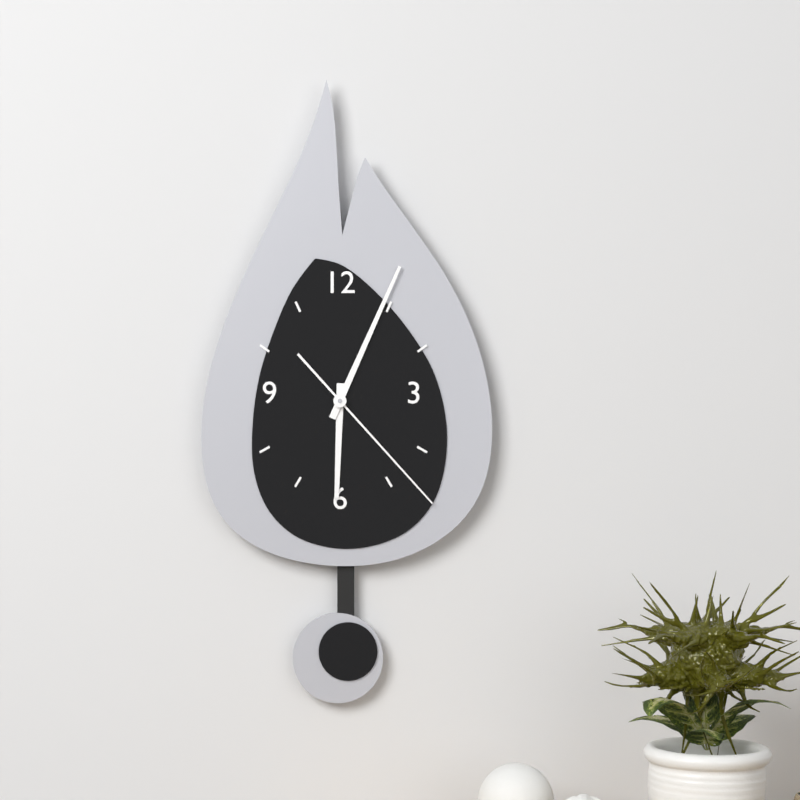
6.04.23
